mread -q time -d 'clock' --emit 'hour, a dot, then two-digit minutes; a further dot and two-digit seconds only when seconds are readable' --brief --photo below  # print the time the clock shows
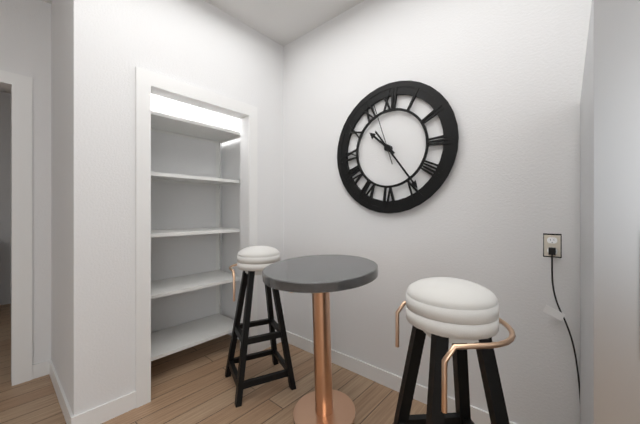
10.24.57
